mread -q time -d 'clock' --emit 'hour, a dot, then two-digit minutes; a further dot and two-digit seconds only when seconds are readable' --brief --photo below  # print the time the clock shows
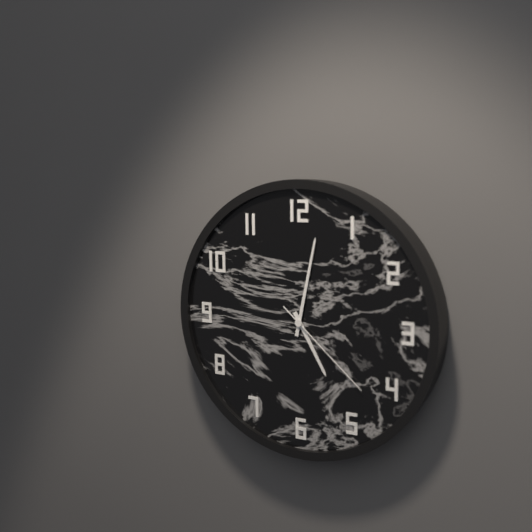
5.02.22
